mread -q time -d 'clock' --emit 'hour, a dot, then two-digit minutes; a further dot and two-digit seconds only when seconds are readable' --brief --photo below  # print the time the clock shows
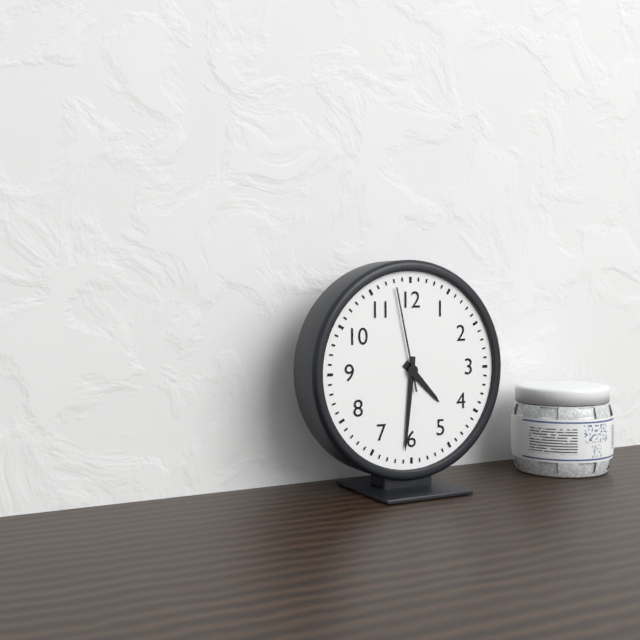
4.31.58
